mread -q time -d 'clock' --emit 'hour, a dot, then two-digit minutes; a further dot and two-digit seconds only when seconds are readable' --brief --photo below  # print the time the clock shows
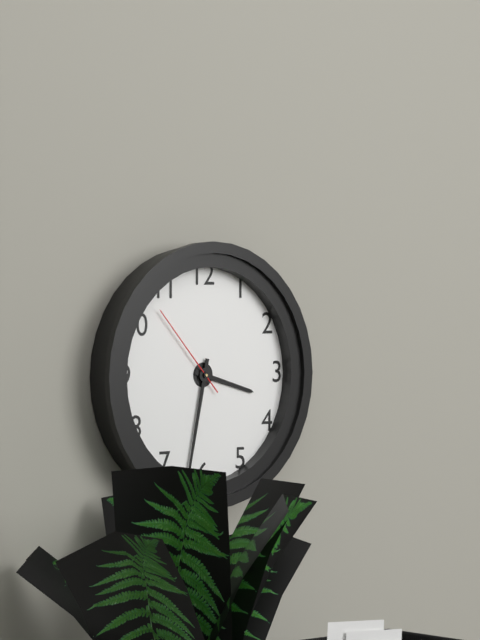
3.32.53
